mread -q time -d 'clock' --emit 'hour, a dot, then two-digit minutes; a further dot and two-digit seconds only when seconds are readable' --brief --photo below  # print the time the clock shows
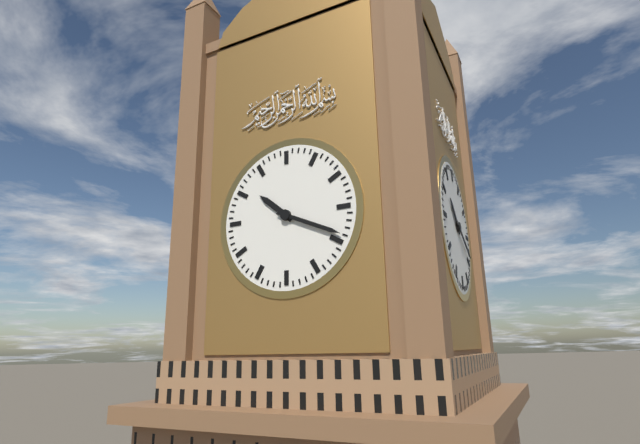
10.19
